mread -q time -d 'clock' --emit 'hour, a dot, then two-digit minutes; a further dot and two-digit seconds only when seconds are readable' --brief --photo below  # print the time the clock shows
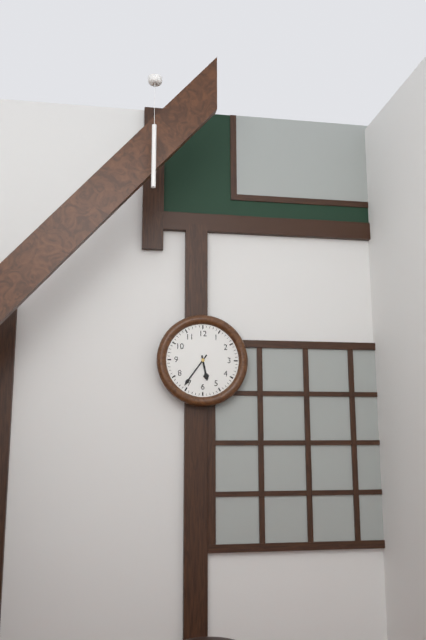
5.36
